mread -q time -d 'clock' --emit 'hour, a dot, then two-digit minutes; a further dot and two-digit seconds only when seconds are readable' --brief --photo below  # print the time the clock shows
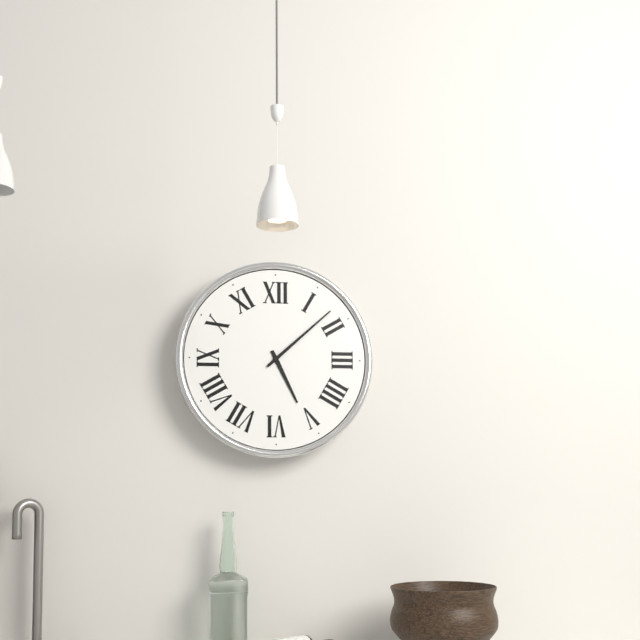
5.08
